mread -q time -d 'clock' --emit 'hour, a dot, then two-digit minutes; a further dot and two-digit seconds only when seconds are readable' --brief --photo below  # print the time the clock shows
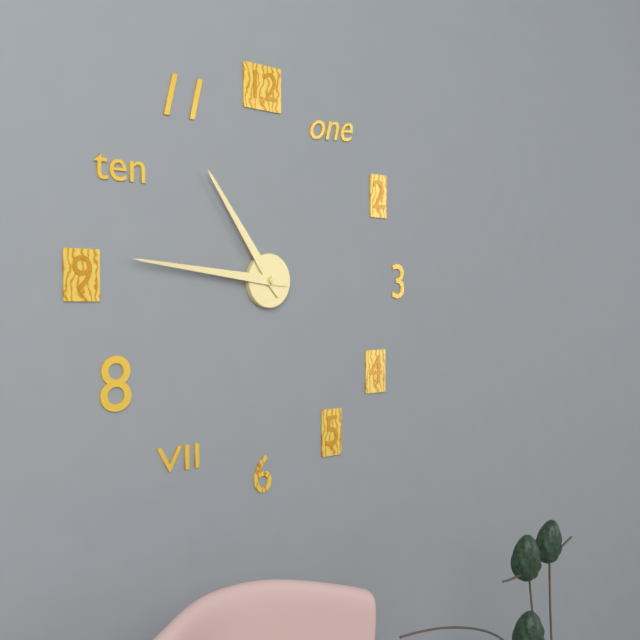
10.46
